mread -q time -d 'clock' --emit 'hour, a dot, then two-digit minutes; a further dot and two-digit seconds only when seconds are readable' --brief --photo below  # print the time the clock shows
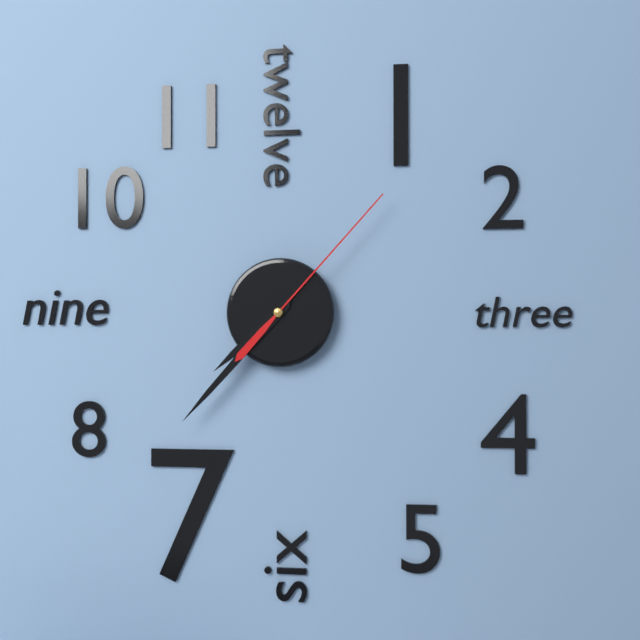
7.37.07
